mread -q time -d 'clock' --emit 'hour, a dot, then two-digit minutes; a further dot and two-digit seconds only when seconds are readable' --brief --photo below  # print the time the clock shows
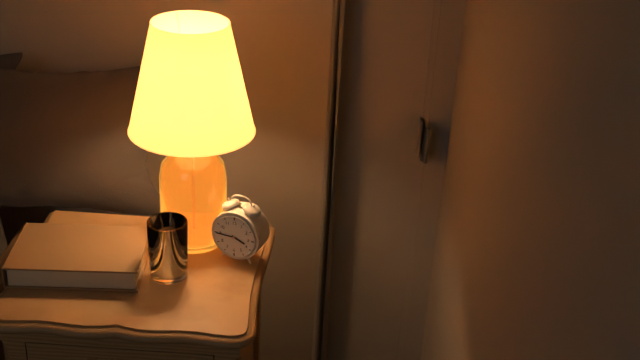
3.45
